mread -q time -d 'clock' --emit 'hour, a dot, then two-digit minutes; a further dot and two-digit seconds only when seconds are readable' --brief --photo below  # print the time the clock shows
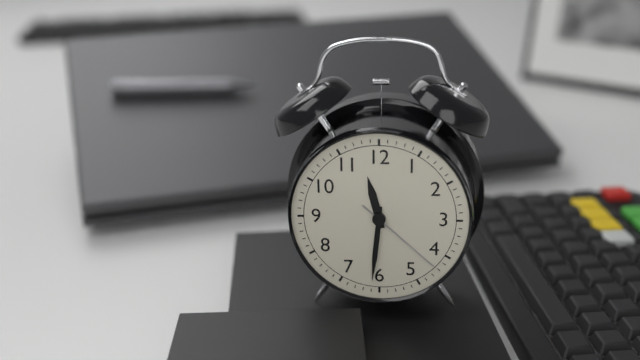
11.31.22
